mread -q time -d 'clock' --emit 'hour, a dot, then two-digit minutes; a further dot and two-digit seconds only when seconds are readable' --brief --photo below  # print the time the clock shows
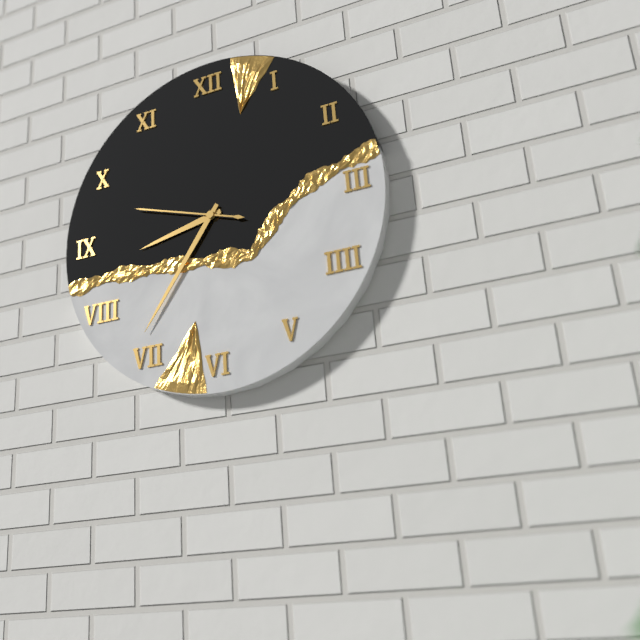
8.36.48
